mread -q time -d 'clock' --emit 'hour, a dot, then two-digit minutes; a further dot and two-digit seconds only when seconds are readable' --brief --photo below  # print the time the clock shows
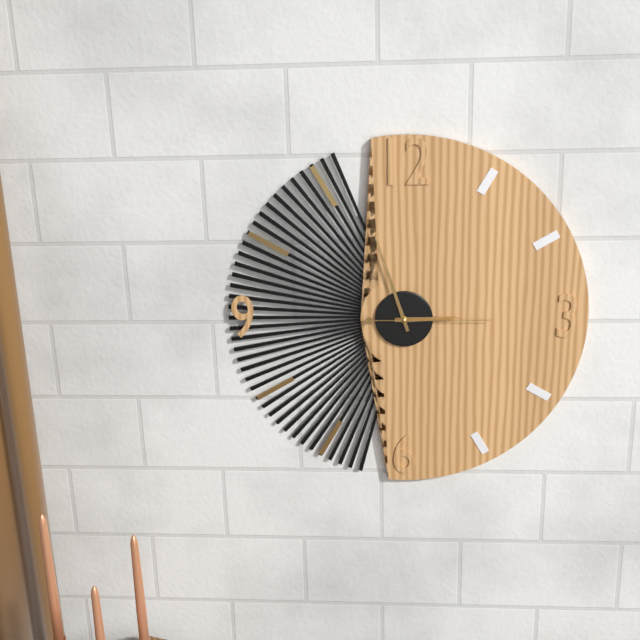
2.57.15
